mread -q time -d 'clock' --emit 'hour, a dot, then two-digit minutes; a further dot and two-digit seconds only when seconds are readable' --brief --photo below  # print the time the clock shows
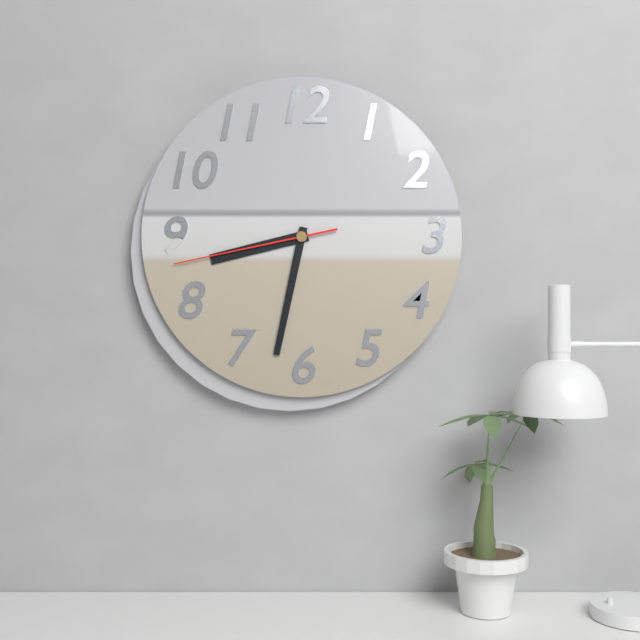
8.32.43
